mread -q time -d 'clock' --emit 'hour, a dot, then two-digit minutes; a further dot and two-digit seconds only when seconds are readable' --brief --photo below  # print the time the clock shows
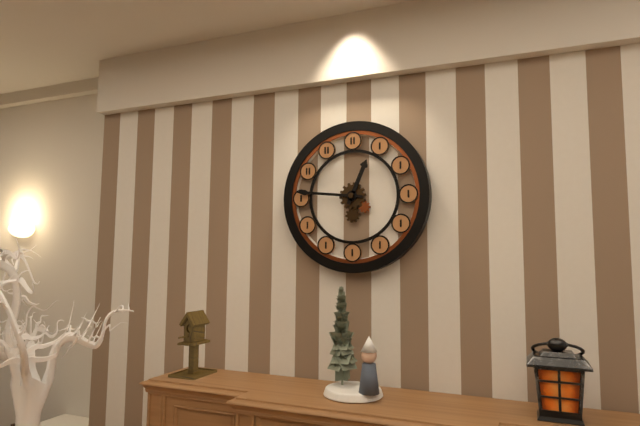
12.46
